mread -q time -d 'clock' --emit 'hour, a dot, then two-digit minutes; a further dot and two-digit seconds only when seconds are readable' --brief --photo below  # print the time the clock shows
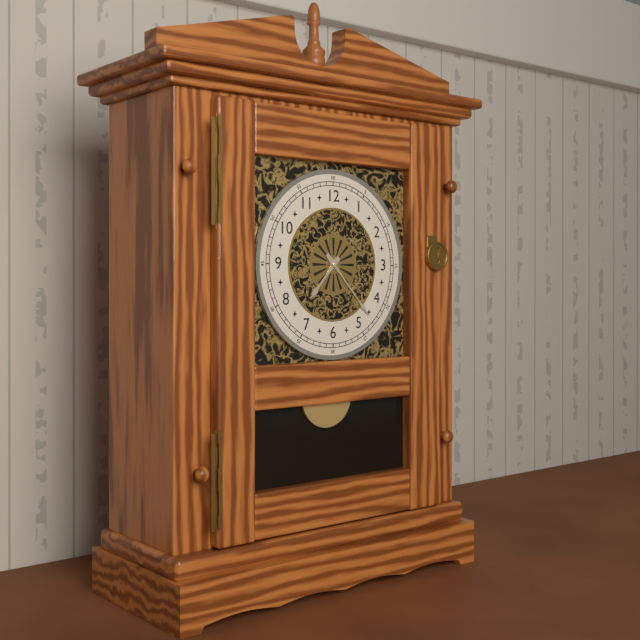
7.23
